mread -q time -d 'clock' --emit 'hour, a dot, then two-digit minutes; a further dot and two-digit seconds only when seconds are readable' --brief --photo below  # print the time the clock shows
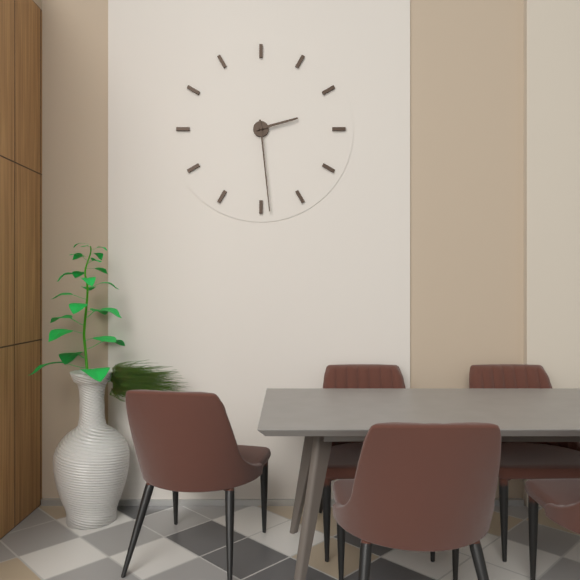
2.29
